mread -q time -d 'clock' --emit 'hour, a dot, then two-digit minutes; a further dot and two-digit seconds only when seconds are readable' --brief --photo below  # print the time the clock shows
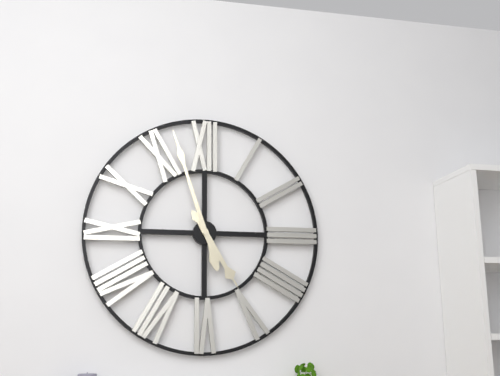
4.57
